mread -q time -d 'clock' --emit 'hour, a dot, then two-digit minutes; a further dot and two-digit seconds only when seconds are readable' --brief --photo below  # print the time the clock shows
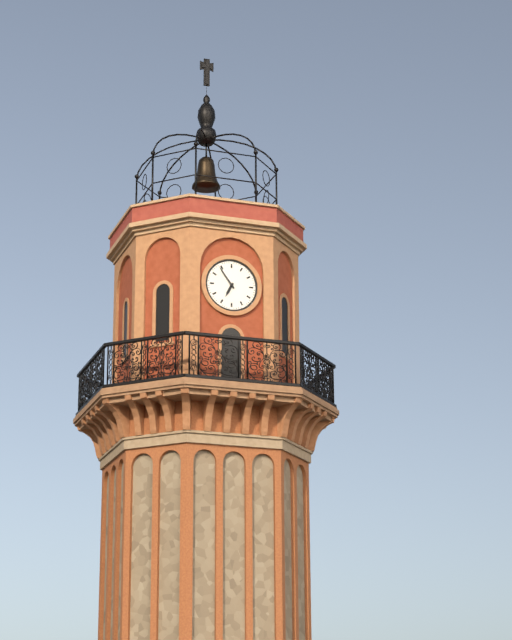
6.54
